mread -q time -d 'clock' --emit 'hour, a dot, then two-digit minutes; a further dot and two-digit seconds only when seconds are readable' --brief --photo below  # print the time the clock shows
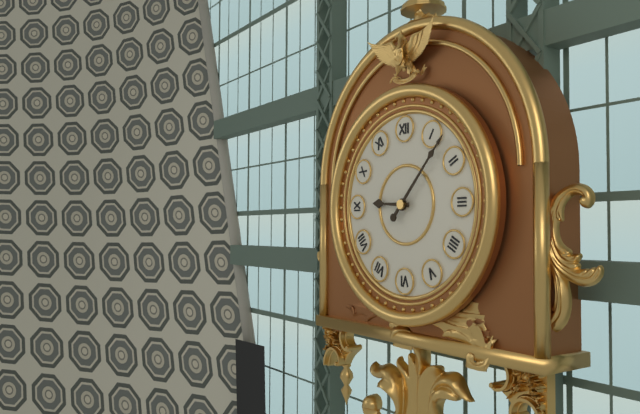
9.07
